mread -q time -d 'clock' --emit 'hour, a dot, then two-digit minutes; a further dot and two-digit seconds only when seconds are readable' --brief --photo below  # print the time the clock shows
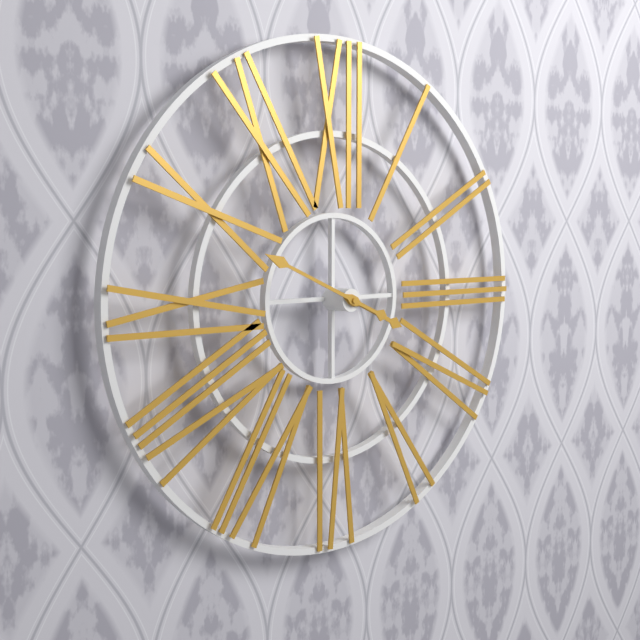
3.49
